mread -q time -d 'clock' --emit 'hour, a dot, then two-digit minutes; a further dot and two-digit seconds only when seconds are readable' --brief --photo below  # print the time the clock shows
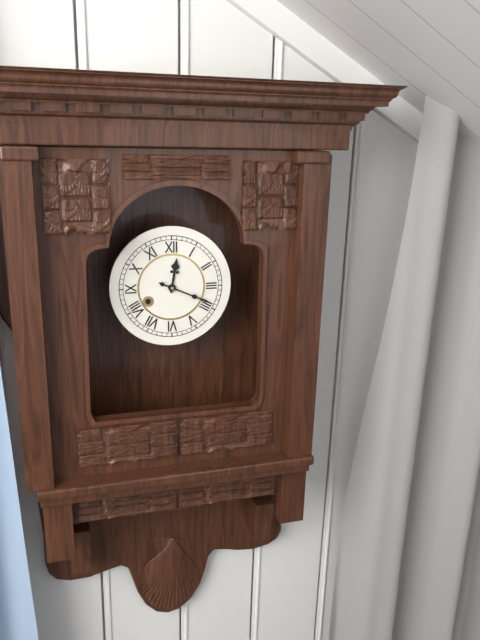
12.19
